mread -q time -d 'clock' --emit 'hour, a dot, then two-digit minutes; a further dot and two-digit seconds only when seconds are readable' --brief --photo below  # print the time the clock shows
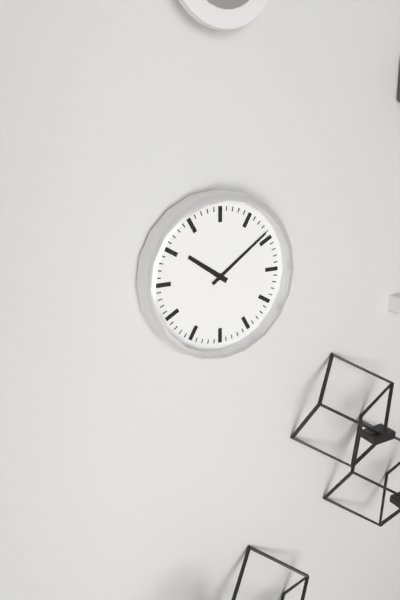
10.09
